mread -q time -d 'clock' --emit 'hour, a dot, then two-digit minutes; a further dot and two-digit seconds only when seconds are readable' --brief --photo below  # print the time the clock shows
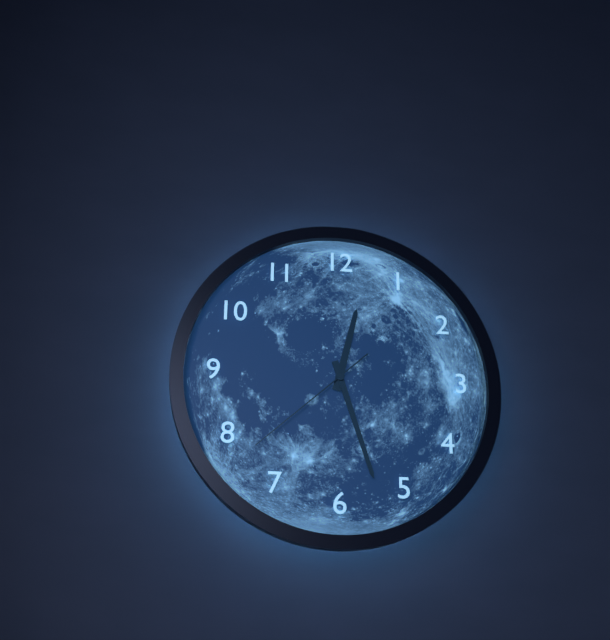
12.27.38
